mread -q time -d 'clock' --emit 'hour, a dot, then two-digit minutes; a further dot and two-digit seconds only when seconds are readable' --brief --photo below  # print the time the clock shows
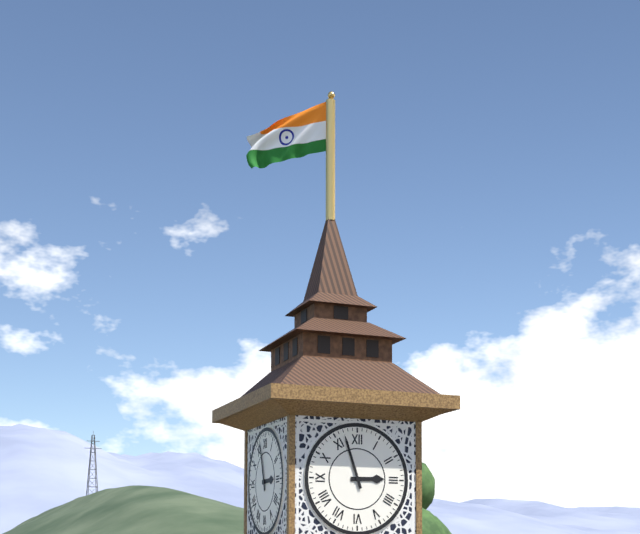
2.57
